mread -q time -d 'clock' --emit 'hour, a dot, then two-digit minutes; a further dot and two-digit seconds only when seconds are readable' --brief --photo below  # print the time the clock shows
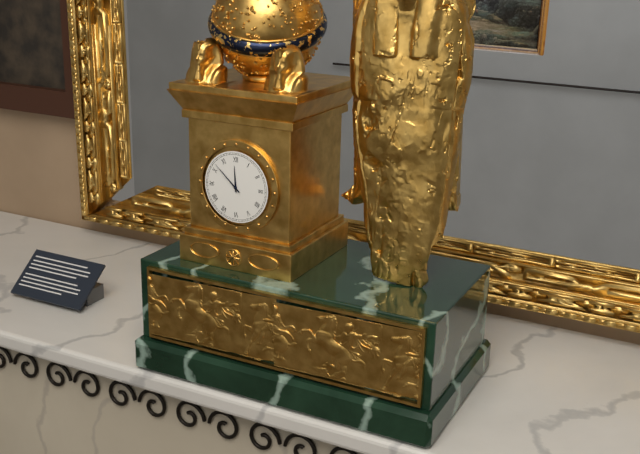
11.52
